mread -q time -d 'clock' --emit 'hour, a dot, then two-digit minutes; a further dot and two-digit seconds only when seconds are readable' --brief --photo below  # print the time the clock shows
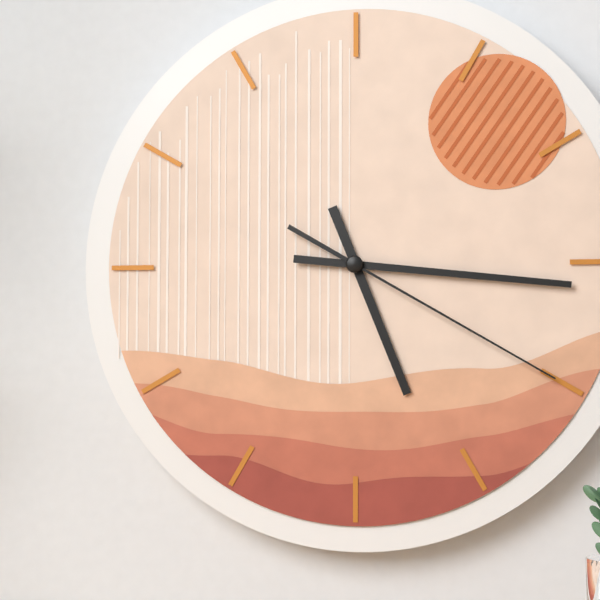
5.16.20
